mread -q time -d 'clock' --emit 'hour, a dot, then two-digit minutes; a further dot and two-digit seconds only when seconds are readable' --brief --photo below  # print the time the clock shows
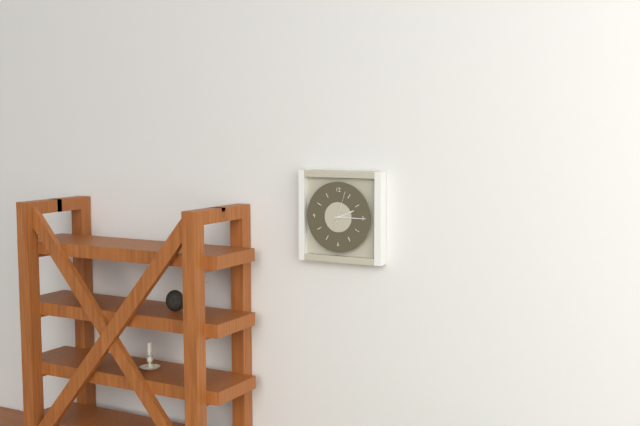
2.15
